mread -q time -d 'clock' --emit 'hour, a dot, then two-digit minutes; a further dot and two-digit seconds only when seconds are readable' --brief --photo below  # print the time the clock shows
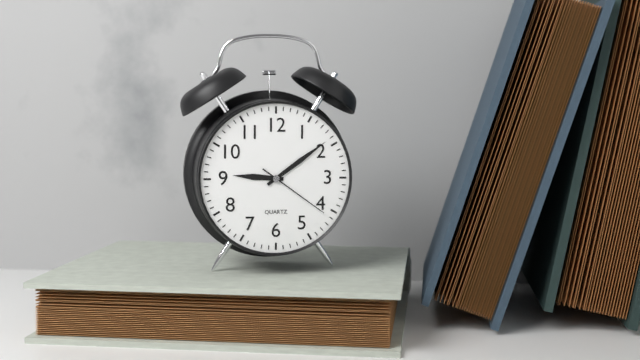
9.09.21
